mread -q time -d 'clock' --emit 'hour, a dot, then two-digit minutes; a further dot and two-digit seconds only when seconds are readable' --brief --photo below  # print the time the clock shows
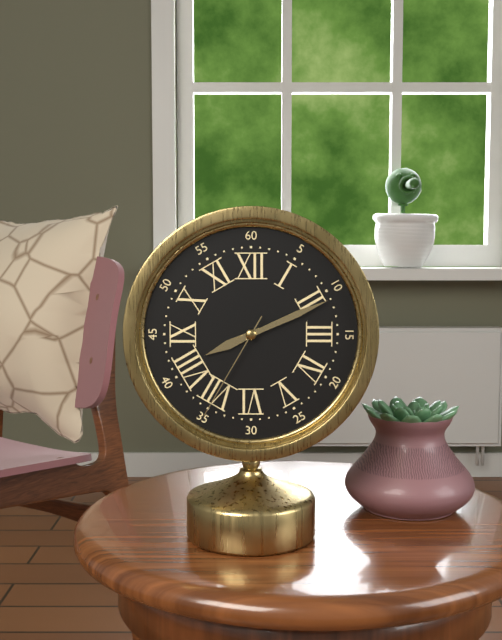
8.11.35
